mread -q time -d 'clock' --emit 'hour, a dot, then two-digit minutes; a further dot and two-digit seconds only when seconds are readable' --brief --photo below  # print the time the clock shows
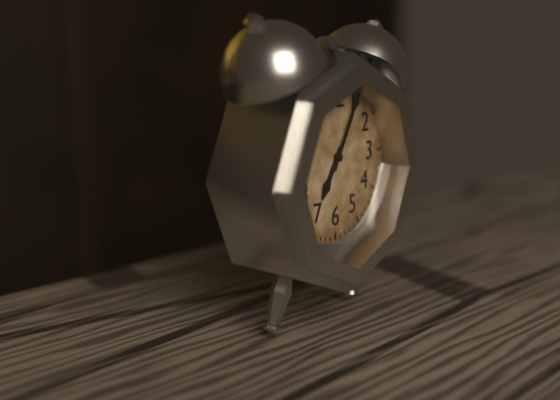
7.05
